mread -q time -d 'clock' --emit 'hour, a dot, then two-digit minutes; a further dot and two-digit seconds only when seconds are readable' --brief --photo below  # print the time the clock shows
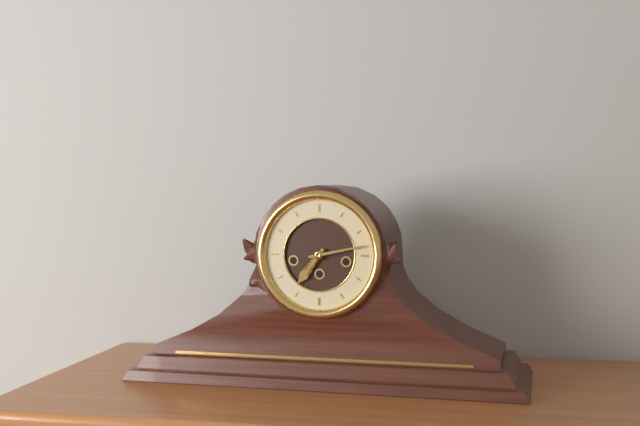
7.13
